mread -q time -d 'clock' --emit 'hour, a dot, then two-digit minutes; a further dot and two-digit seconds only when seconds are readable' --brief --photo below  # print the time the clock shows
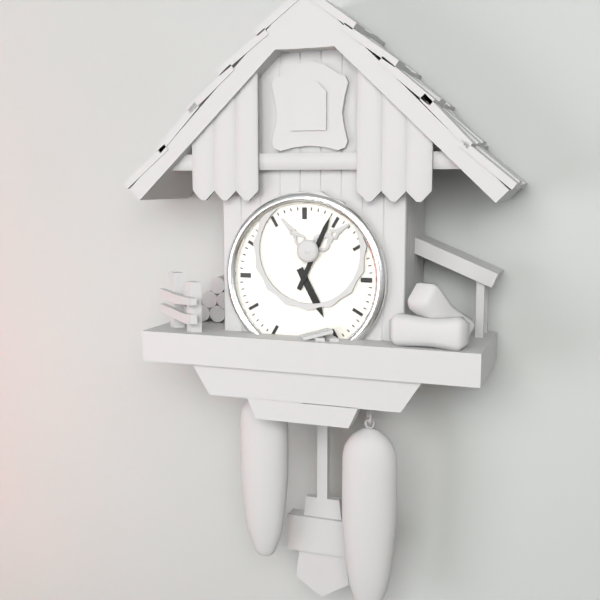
5.04
